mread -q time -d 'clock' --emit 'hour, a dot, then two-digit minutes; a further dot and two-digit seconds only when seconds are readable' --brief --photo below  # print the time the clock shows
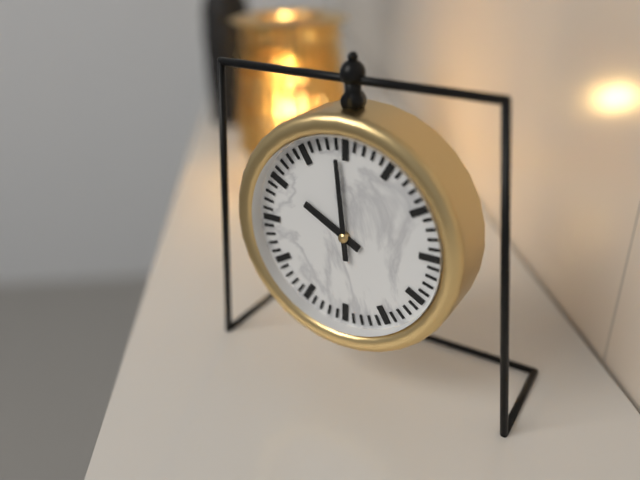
9.59
